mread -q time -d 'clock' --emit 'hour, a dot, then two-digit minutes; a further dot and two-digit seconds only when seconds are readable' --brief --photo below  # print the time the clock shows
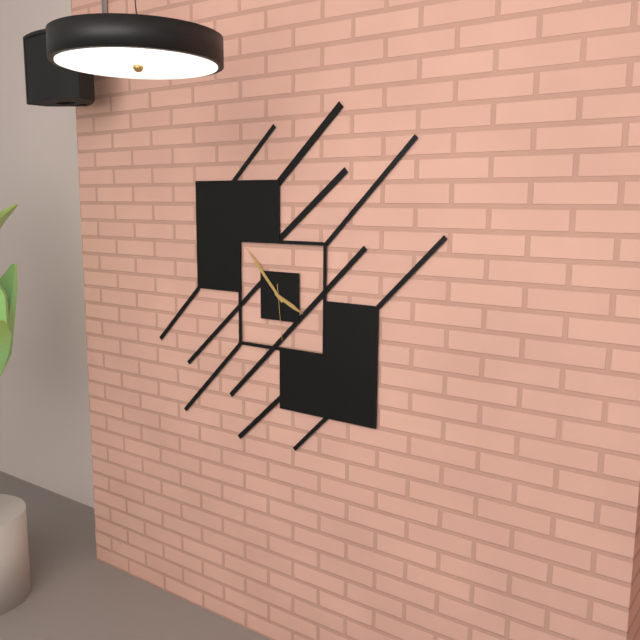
3.53.29
